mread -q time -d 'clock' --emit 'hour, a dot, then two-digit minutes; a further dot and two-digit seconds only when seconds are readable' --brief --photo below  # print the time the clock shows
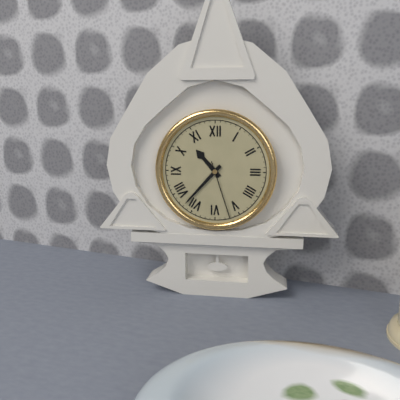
10.37.27
